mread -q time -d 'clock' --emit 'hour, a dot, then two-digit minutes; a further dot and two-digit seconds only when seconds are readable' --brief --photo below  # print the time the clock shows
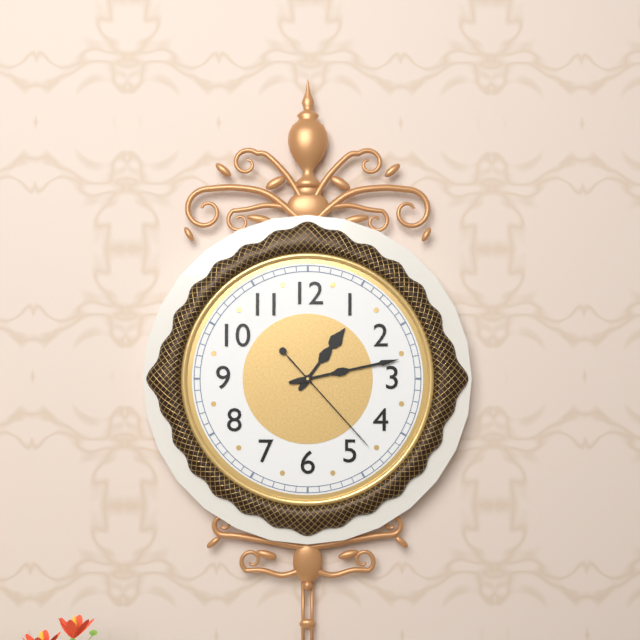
1.13.23
